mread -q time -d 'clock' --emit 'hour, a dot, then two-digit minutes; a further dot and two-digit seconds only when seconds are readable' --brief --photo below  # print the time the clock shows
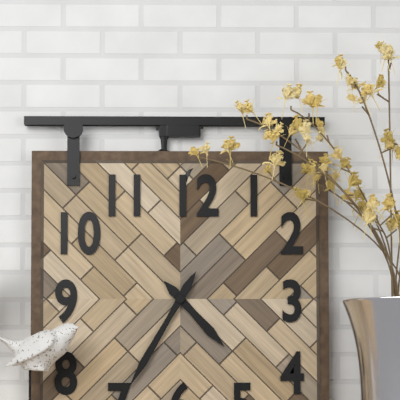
4.35
